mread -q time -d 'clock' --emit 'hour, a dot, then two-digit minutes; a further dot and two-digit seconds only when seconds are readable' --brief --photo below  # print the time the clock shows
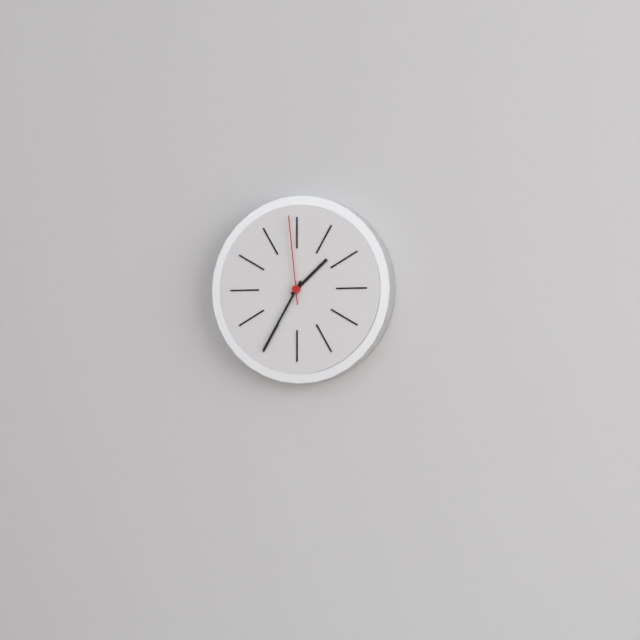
1.35.59
